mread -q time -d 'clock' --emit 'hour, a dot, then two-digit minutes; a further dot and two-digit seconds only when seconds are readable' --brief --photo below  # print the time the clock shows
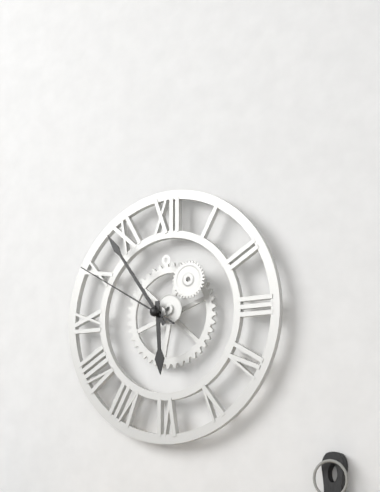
5.54.50
